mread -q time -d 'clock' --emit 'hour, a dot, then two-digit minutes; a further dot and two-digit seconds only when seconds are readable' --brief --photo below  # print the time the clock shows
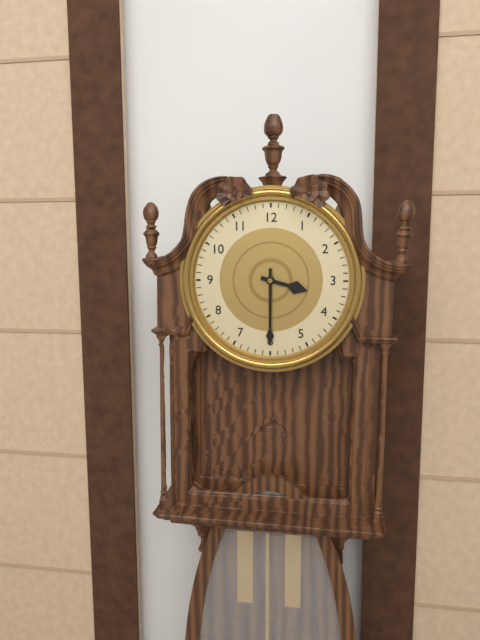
3.30
